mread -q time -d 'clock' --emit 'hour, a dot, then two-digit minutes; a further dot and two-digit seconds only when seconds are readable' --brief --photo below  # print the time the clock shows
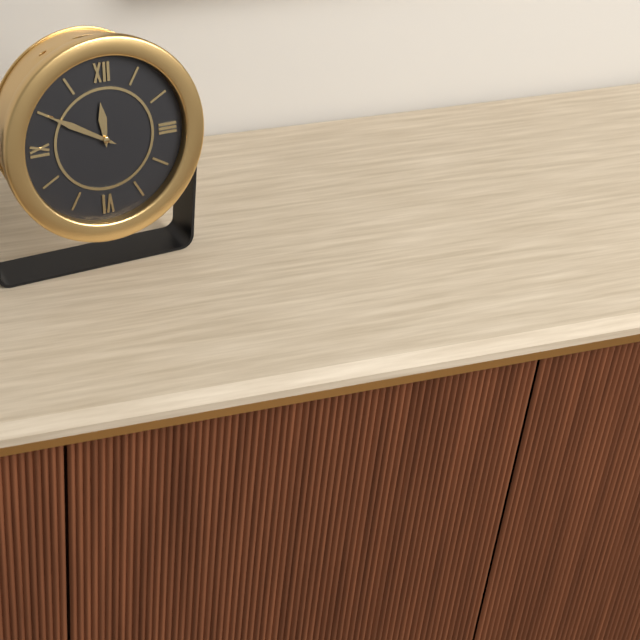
11.50
